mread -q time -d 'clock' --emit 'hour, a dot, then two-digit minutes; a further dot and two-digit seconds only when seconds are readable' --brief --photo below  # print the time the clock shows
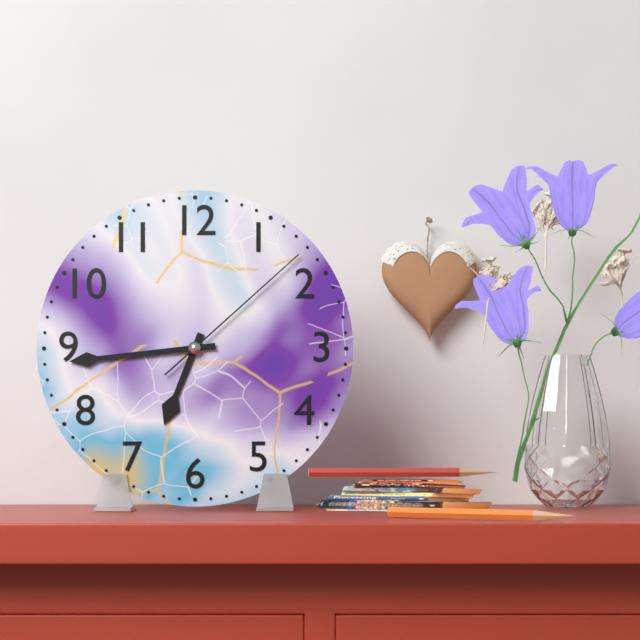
6.44.08
